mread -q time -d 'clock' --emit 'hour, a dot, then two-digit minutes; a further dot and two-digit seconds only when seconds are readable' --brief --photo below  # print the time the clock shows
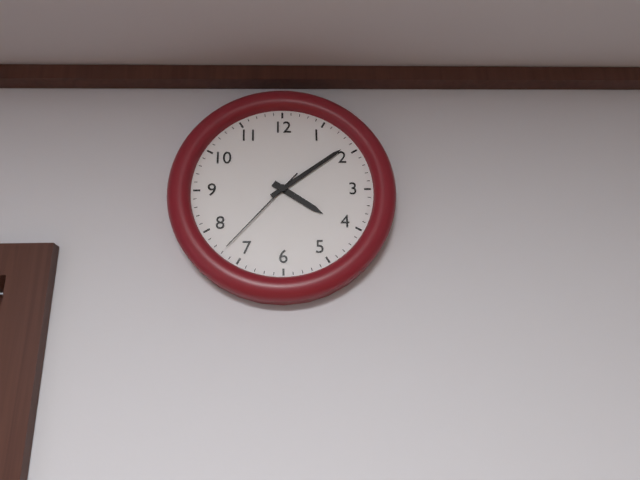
4.09.37
